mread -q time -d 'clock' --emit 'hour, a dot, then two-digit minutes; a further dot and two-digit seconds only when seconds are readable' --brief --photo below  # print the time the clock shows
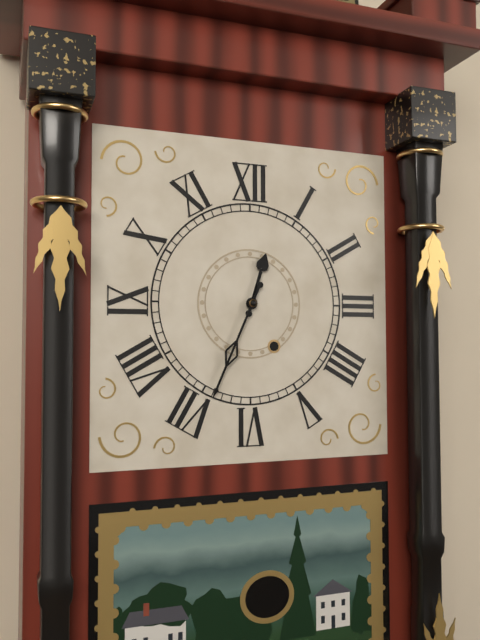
12.34
